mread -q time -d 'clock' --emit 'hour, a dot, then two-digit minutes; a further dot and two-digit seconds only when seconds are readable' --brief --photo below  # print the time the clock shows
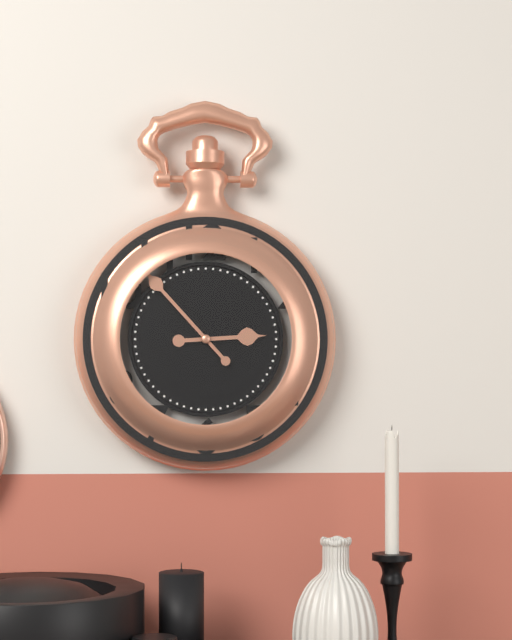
2.53
